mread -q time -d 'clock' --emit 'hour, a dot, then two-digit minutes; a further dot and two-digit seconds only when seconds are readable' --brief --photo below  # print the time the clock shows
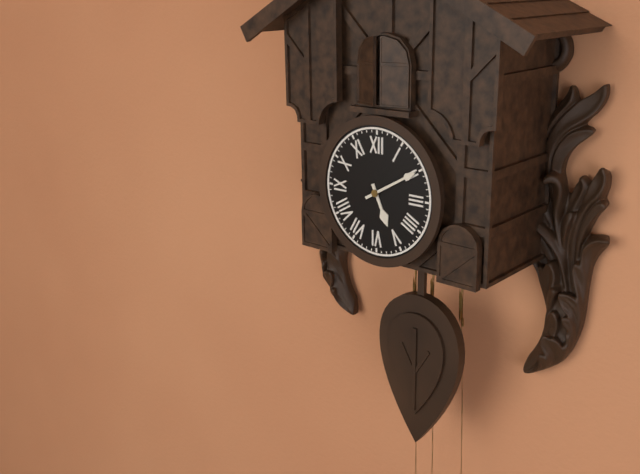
5.10
